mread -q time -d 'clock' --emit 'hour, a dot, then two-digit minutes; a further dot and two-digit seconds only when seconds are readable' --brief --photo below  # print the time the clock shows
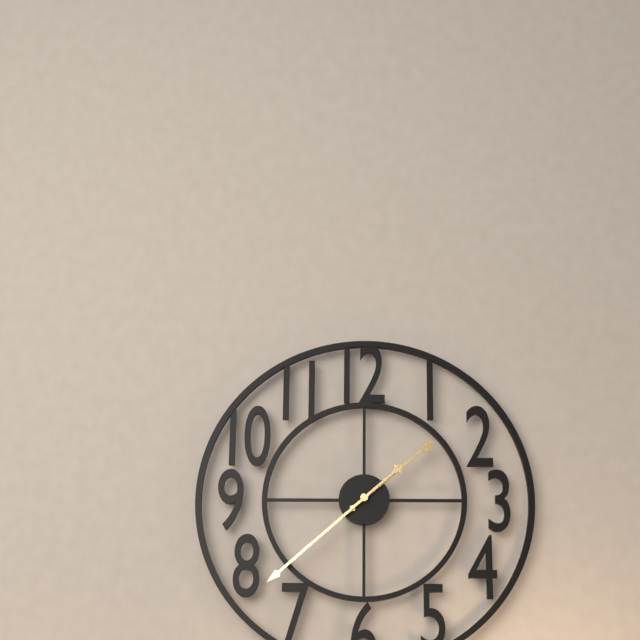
1.38
